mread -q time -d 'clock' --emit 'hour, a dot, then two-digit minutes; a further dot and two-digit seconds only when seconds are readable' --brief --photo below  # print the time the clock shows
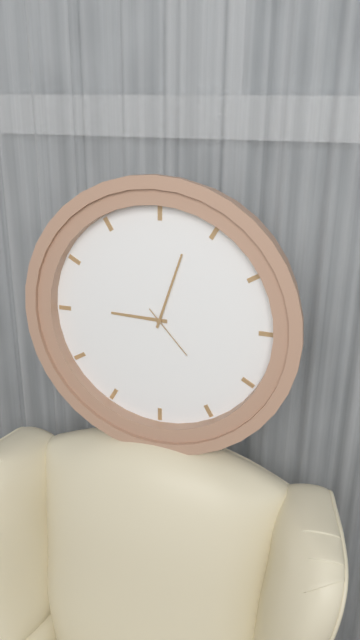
9.03.23
